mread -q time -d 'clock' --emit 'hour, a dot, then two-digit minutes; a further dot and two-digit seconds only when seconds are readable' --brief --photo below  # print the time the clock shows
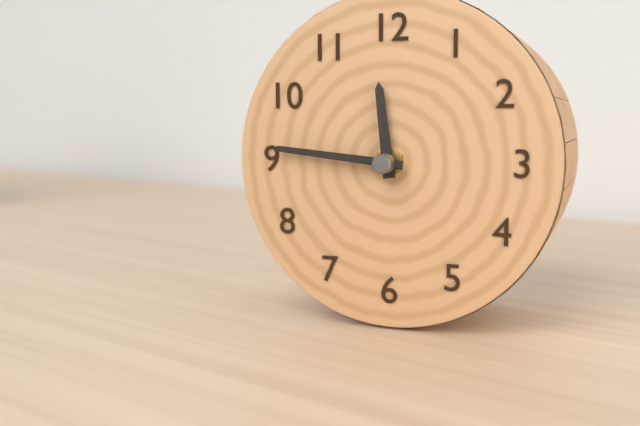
11.46
